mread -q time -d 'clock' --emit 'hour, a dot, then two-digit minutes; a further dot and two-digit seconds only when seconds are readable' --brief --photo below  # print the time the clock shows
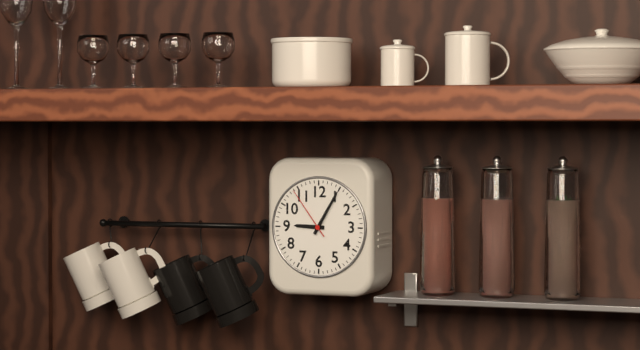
9.05.54
